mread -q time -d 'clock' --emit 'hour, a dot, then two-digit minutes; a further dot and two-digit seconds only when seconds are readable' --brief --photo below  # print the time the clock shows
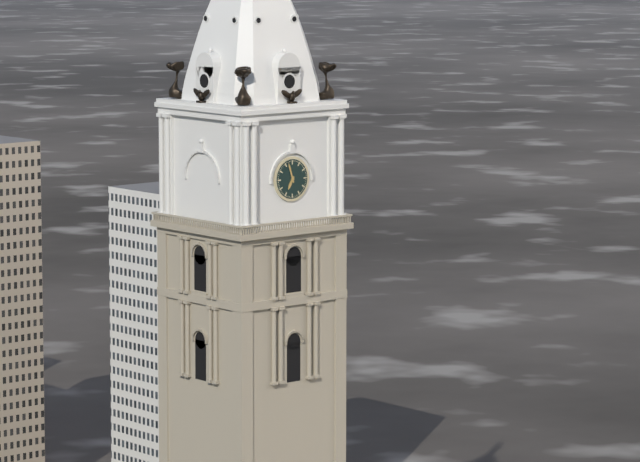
6.57
